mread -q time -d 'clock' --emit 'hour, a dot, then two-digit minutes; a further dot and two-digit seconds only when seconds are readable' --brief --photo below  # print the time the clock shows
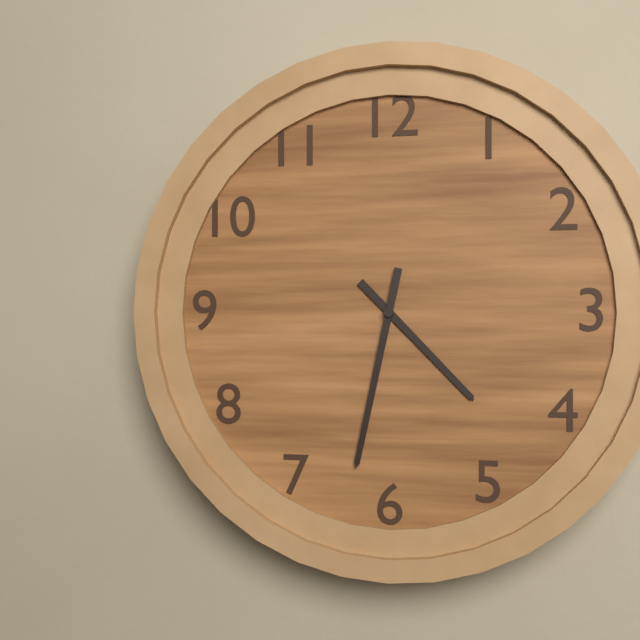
4.32
